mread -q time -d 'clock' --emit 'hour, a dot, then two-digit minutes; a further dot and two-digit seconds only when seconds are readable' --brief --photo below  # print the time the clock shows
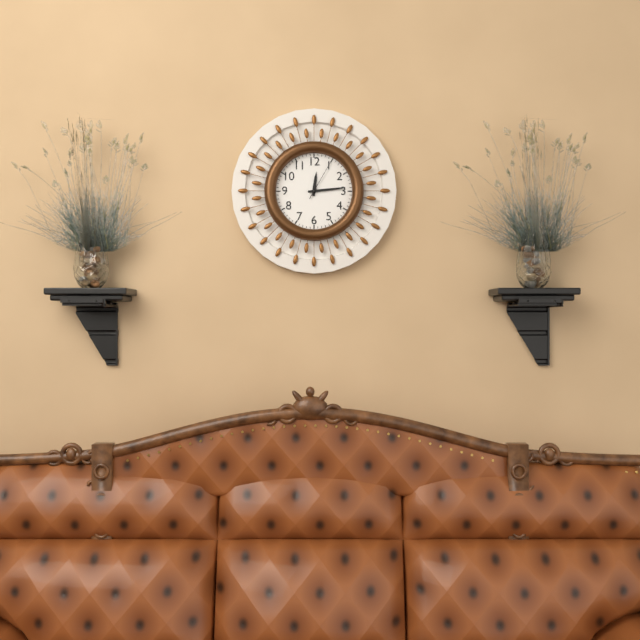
12.14
